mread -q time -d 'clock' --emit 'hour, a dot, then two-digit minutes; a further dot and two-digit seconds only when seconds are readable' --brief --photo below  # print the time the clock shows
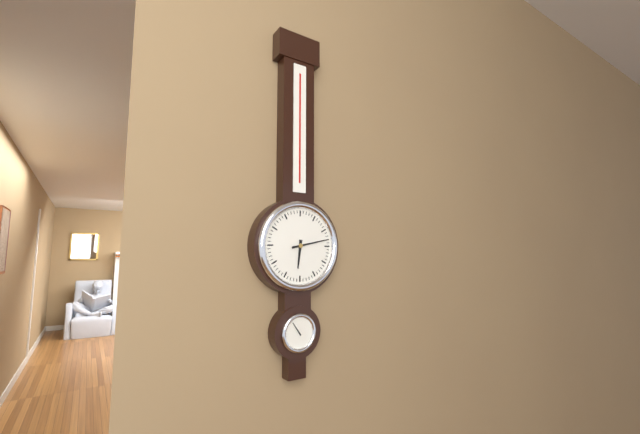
6.13
